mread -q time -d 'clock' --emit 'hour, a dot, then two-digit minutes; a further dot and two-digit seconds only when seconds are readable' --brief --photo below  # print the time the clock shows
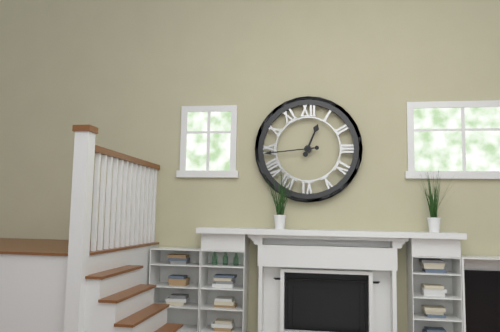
12.44
